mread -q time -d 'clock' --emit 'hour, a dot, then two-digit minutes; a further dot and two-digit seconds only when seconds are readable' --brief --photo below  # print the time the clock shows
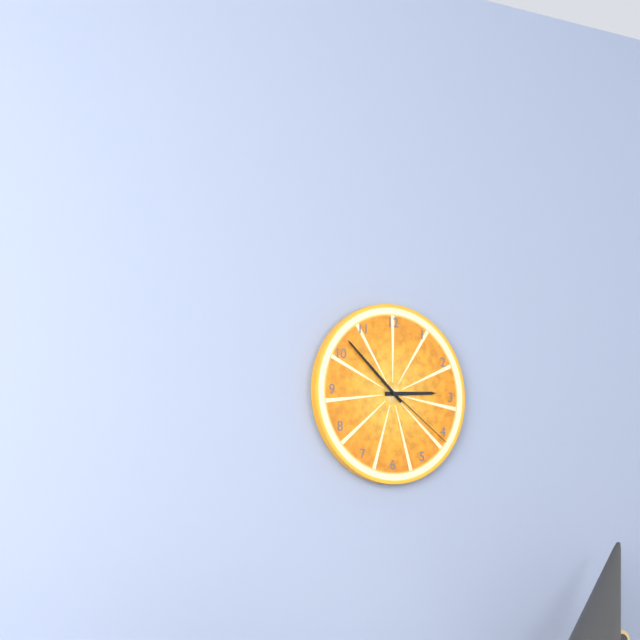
2.52.21
